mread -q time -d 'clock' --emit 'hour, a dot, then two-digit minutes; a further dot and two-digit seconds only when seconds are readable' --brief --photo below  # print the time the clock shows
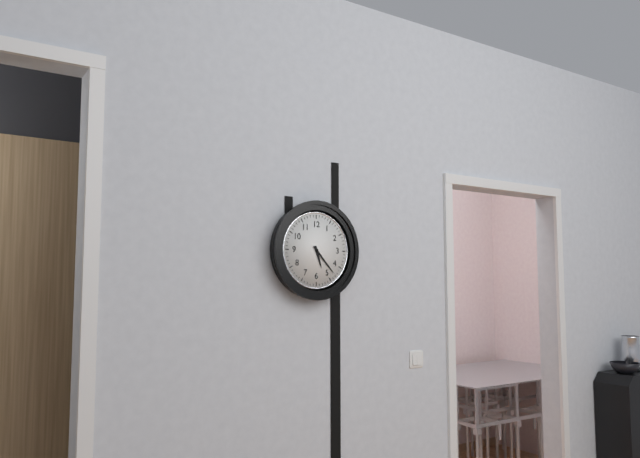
5.23
